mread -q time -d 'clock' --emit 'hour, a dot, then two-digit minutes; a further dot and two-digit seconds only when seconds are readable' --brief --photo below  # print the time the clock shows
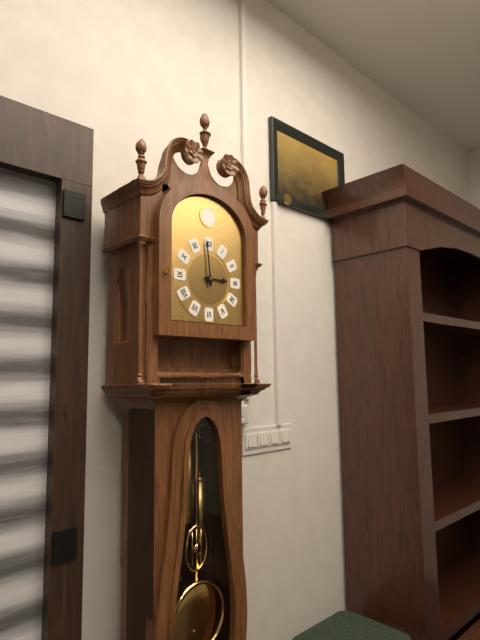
2.59
